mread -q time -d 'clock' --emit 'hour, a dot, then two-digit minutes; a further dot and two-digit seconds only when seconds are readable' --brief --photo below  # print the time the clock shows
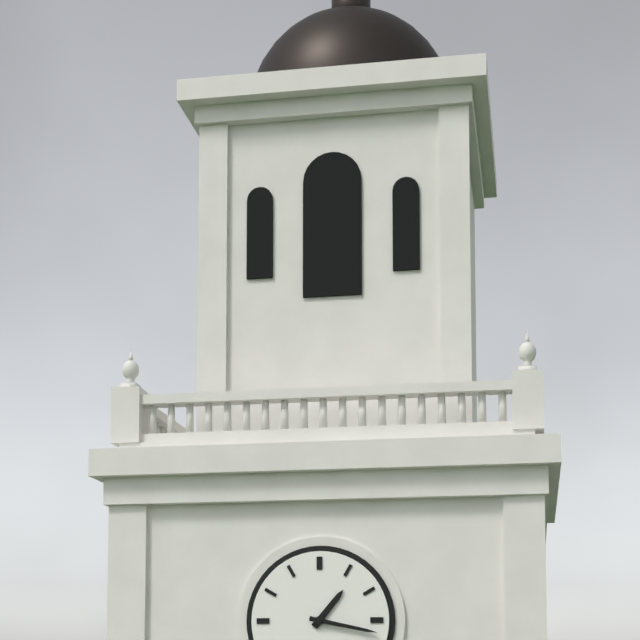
1.17
